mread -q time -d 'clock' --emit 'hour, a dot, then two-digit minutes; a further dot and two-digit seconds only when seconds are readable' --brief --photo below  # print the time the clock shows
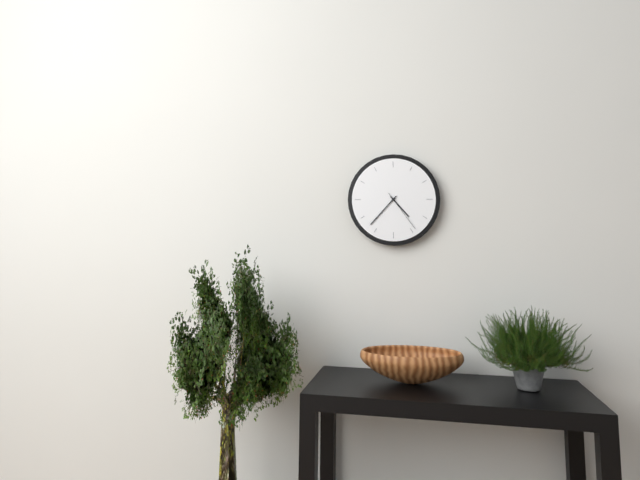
4.37
